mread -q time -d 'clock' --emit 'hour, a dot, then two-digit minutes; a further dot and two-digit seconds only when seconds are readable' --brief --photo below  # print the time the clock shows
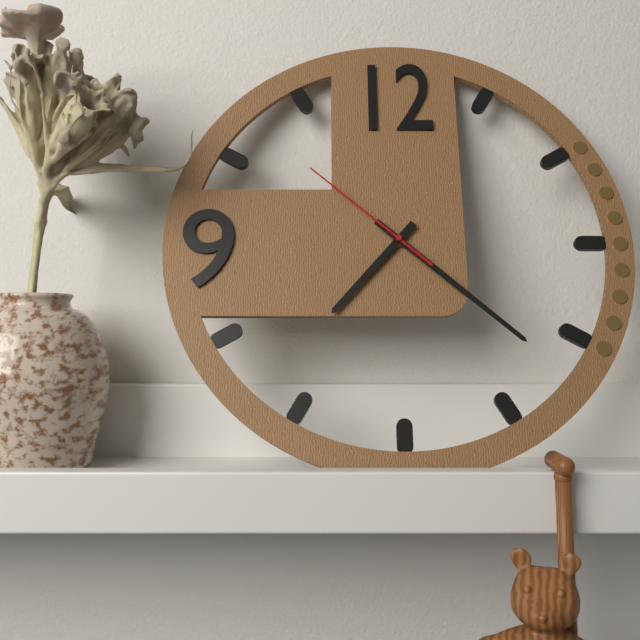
7.22.52
